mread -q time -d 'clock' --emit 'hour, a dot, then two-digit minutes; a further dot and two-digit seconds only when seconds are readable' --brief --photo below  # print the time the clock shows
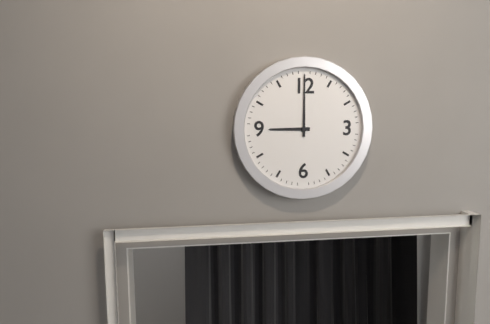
9.00
